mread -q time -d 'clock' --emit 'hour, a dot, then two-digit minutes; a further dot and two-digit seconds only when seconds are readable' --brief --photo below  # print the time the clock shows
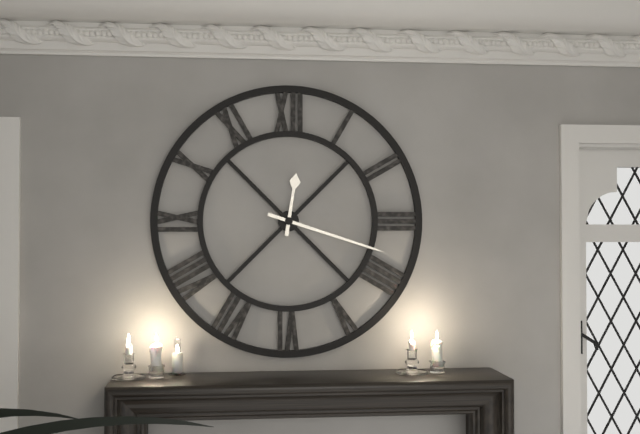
12.18
